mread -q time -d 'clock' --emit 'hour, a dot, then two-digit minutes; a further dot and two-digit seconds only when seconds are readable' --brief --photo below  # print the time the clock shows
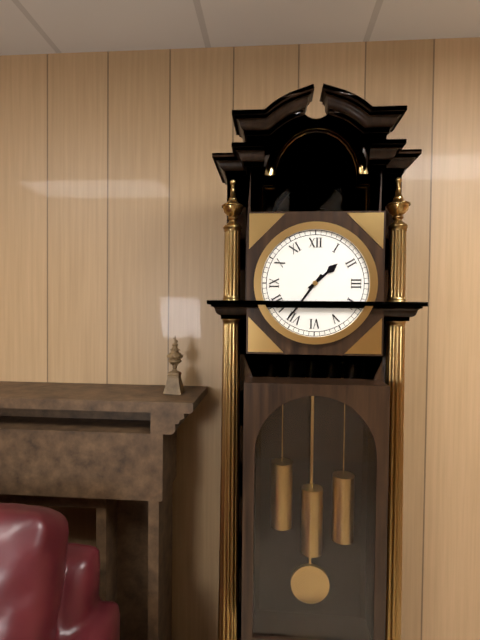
1.36
